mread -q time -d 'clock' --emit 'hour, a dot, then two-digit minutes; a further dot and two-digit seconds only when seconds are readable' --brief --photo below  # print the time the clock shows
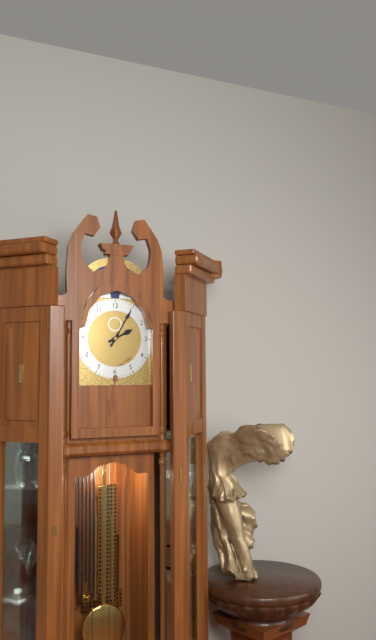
2.05
